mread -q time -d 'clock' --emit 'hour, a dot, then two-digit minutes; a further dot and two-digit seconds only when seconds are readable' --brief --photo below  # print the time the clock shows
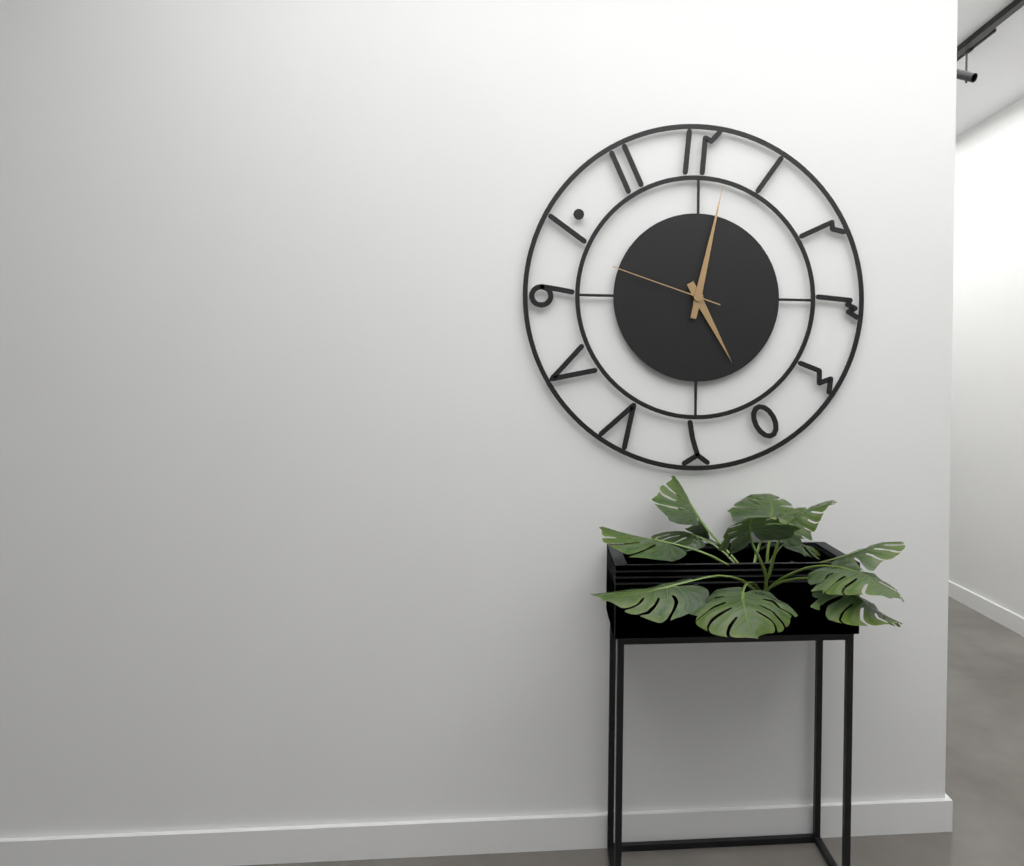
5.02.48
